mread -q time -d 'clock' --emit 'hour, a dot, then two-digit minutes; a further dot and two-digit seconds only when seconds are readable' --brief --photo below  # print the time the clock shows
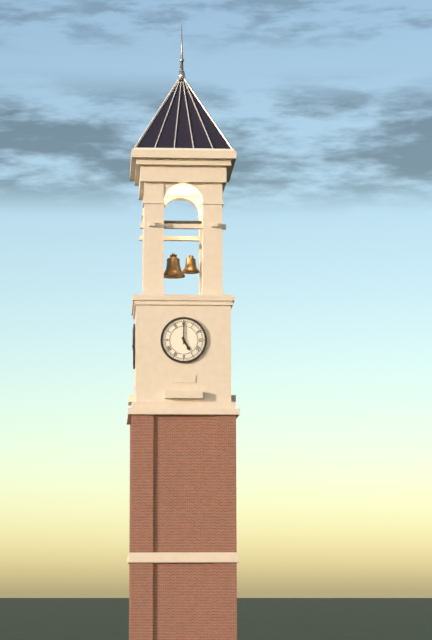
5.00
